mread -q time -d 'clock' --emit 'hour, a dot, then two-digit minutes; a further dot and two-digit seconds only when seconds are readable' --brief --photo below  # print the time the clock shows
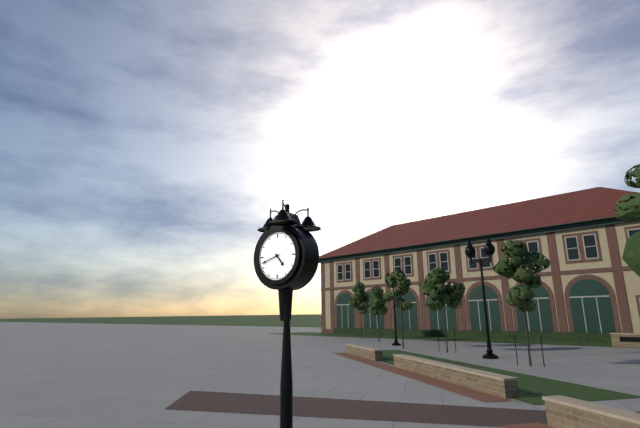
4.42
